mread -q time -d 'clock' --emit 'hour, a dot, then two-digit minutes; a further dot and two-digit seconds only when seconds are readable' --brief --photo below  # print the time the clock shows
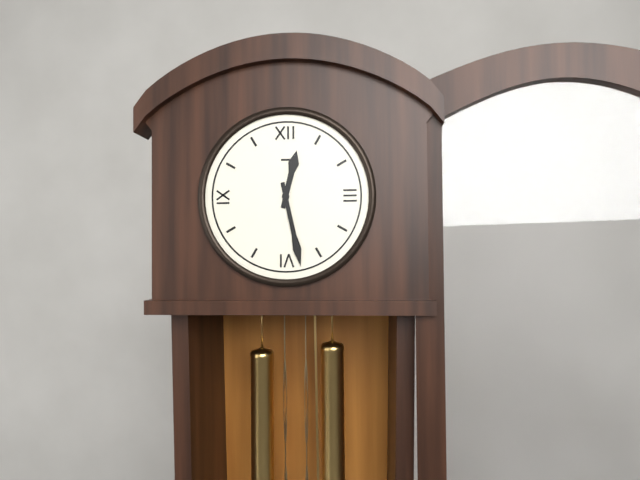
12.28
